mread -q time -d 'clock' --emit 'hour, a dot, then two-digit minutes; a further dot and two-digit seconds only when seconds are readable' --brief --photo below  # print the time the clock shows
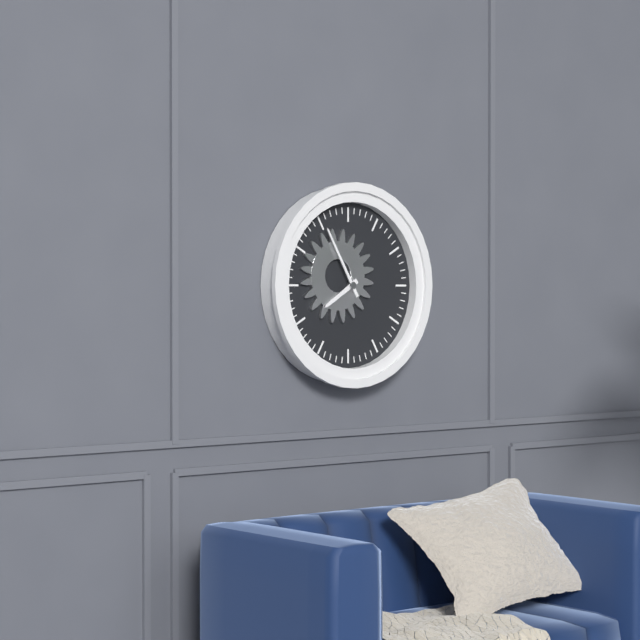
7.55
